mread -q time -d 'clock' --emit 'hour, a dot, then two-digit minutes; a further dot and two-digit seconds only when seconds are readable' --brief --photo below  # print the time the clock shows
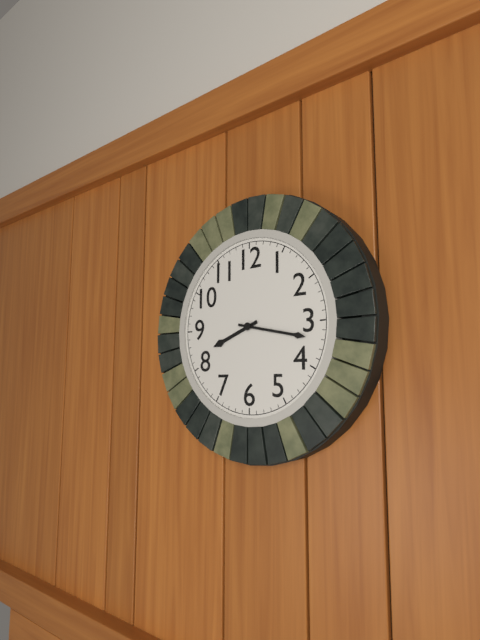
8.17
